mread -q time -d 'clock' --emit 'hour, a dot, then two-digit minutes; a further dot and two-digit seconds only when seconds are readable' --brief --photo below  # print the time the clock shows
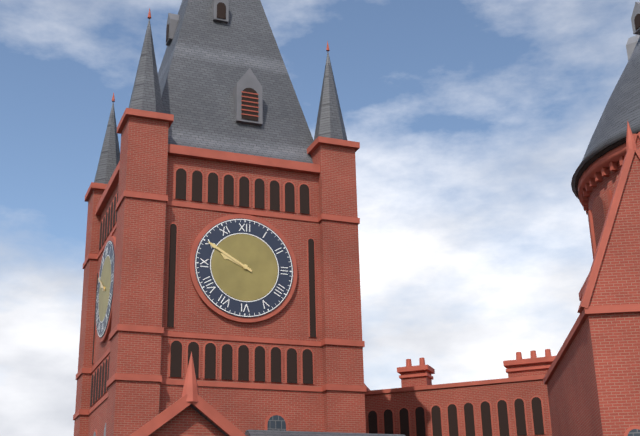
9.50
